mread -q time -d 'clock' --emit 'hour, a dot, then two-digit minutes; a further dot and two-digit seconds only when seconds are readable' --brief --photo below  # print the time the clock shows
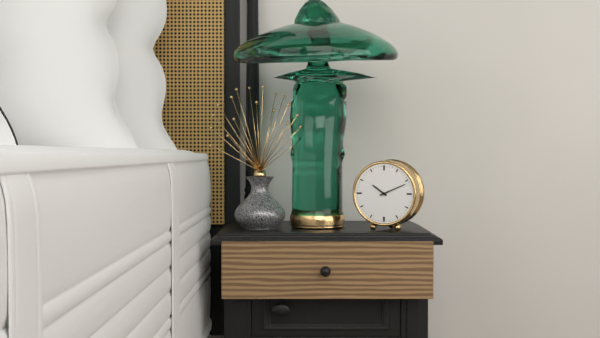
10.11
